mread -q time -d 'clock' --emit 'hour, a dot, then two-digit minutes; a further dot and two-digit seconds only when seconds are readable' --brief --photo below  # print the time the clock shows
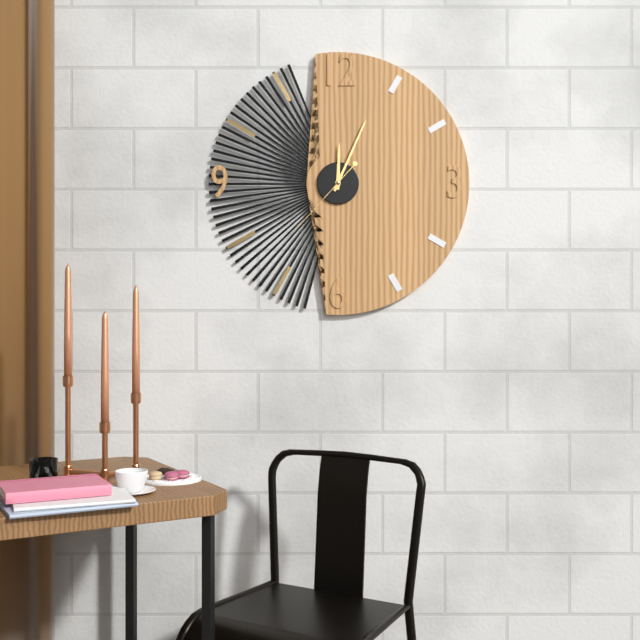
12.04.37
